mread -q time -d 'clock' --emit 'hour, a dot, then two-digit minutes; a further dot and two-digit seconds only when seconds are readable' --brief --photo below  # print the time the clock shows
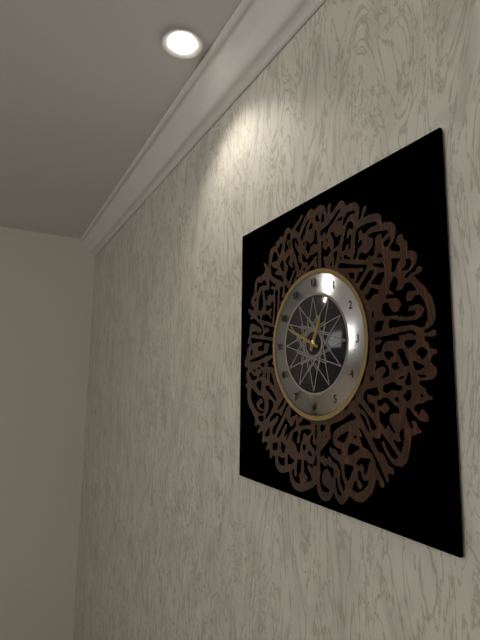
12.49
